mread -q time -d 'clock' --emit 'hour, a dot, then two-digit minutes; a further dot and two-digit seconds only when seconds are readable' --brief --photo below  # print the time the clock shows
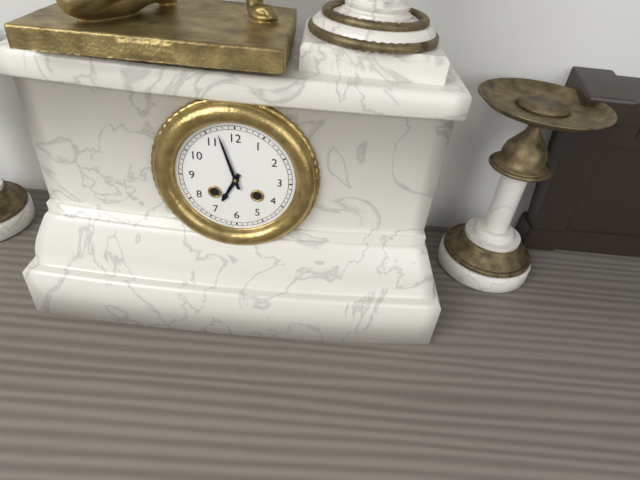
6.57
